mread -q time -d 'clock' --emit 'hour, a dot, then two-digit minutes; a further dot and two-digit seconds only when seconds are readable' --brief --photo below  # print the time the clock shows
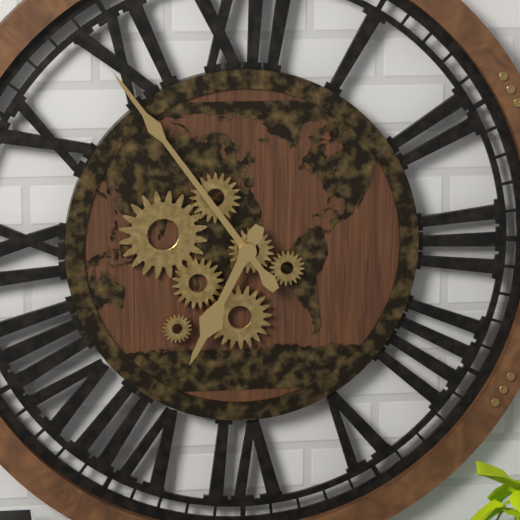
6.54
